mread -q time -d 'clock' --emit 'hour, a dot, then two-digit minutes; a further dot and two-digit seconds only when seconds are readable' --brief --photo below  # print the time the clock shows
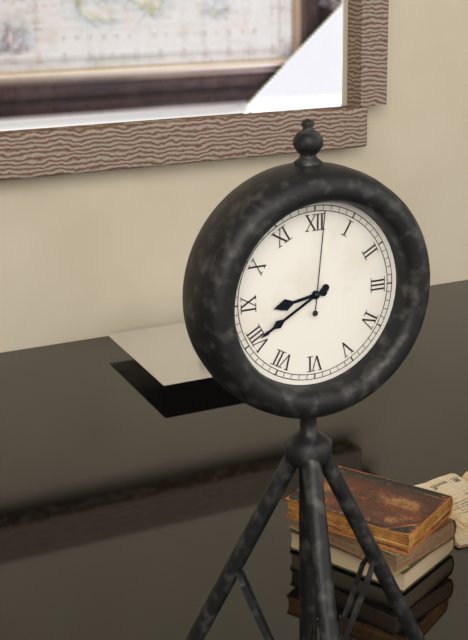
8.40.01
